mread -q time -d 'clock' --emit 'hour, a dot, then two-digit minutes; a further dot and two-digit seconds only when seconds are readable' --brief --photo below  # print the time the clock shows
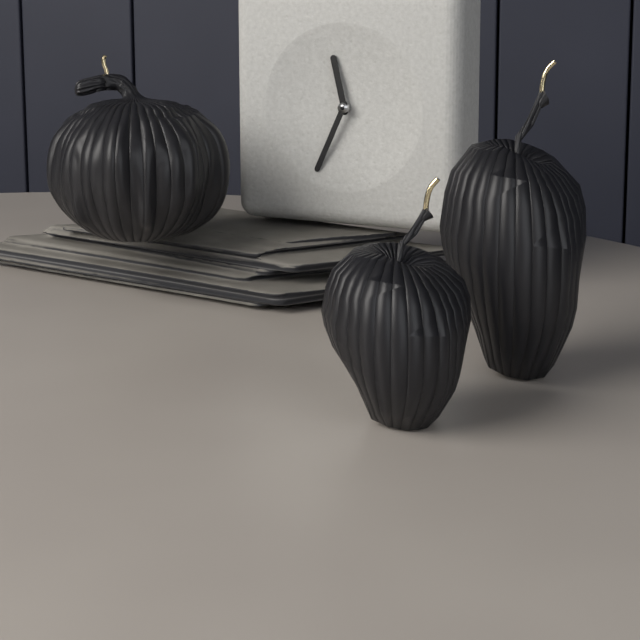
11.34
